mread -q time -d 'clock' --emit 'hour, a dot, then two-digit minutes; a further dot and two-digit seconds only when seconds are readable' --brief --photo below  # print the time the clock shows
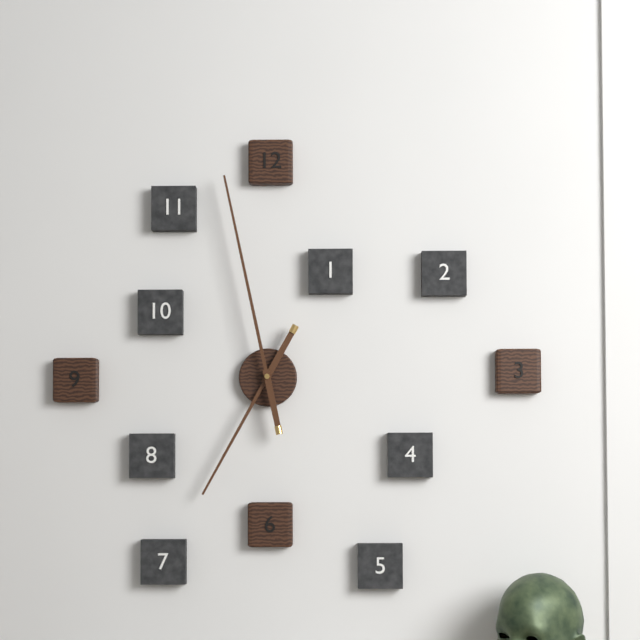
6.58
